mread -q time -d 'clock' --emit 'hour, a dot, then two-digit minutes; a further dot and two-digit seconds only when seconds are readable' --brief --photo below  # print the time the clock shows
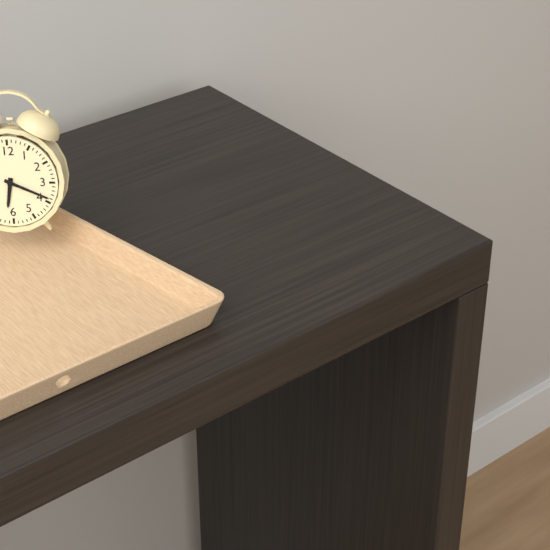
6.19
